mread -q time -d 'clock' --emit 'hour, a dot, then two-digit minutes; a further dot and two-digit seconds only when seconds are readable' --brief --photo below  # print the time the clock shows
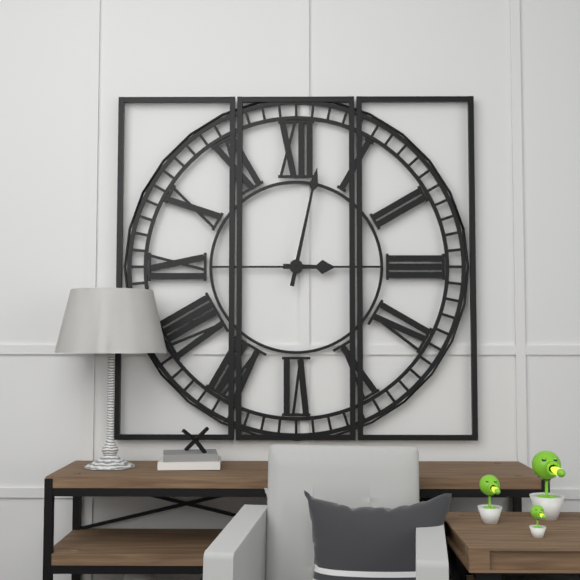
3.02
